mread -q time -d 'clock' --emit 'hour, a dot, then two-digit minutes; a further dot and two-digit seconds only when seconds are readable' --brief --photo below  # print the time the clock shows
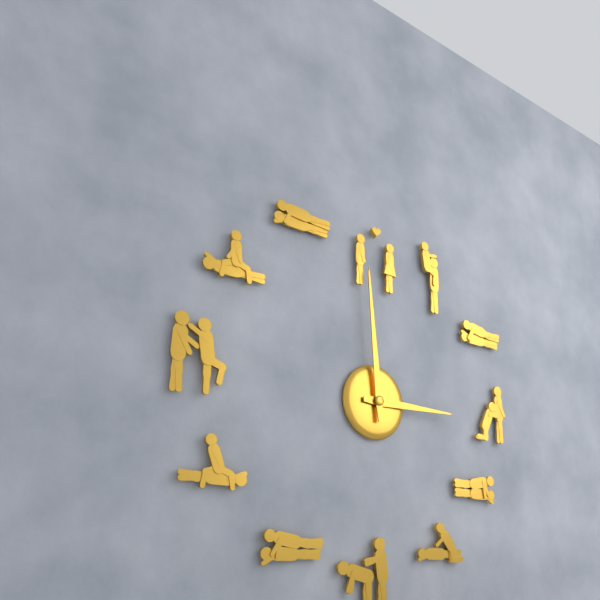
2.59
